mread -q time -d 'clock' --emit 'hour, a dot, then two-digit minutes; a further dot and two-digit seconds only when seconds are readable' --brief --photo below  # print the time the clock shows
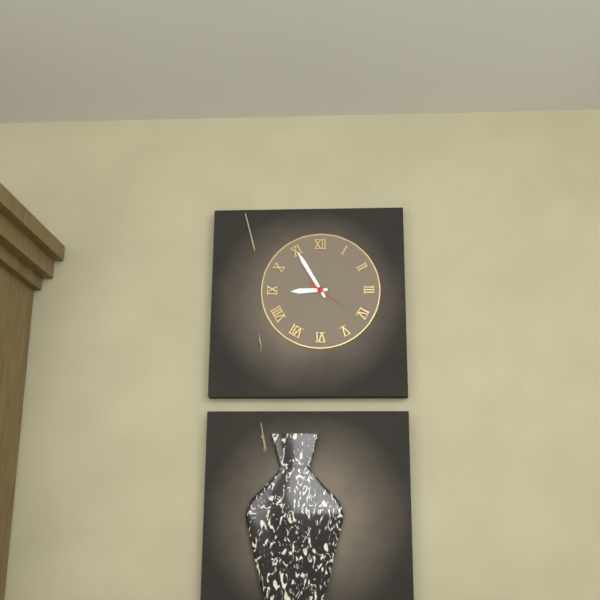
8.55
